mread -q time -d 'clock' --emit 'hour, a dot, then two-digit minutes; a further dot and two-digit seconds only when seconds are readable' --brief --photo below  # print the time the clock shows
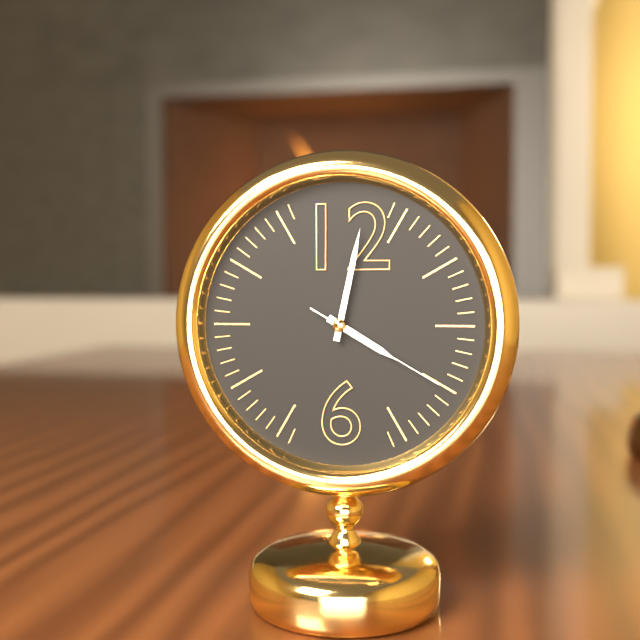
4.02.20
